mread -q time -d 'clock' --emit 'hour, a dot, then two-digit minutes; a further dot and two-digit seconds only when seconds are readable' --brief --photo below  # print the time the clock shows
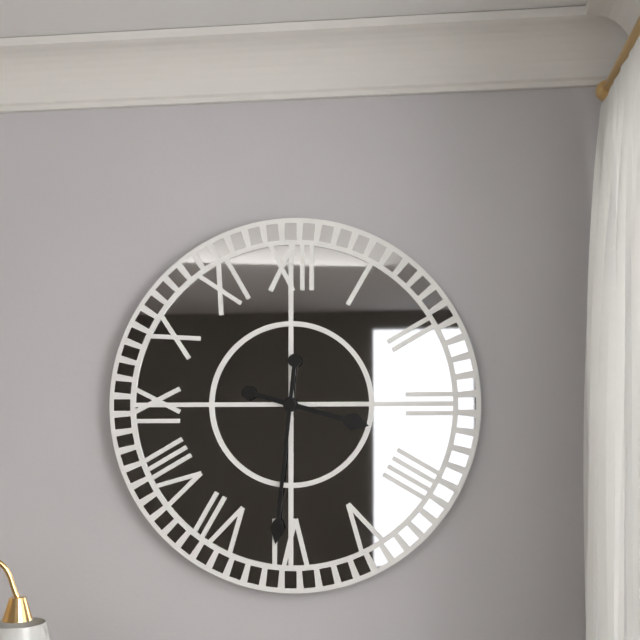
3.31
